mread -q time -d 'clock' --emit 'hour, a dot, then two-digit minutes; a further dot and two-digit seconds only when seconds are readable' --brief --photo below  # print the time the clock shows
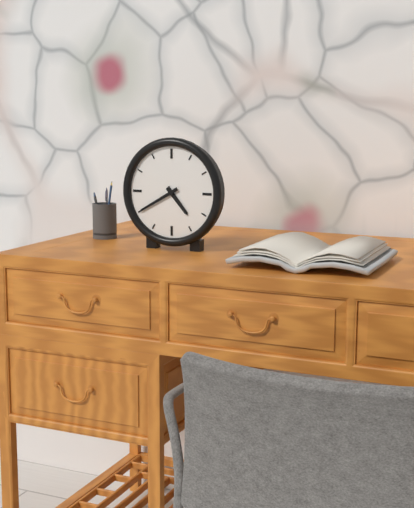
4.40
